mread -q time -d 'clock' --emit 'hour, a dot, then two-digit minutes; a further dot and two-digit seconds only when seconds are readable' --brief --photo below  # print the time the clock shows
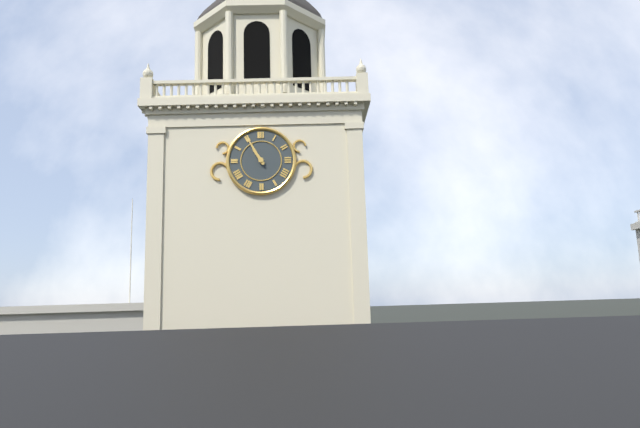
10.55
